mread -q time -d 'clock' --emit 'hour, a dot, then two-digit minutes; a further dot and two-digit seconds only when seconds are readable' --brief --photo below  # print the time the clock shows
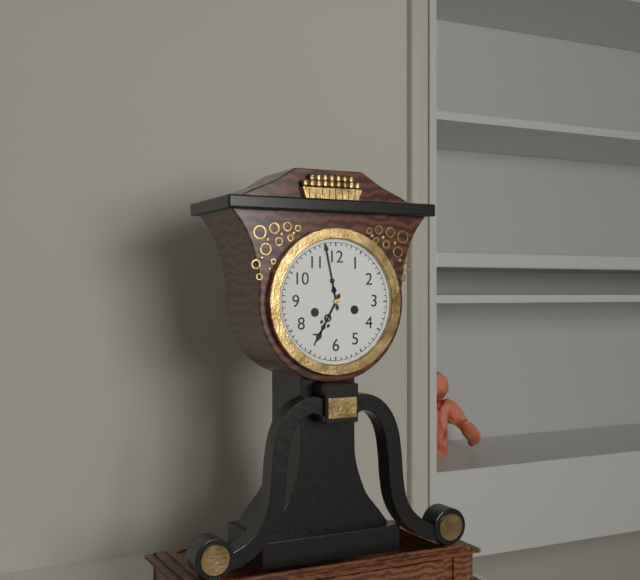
6.58
